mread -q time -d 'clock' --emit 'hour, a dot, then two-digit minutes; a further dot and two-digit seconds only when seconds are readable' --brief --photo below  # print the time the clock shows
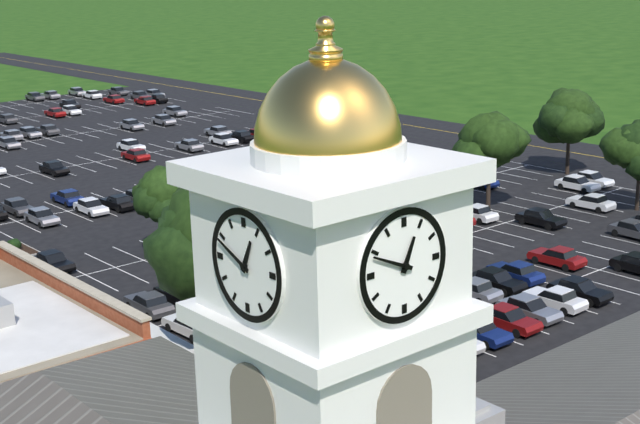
12.49
